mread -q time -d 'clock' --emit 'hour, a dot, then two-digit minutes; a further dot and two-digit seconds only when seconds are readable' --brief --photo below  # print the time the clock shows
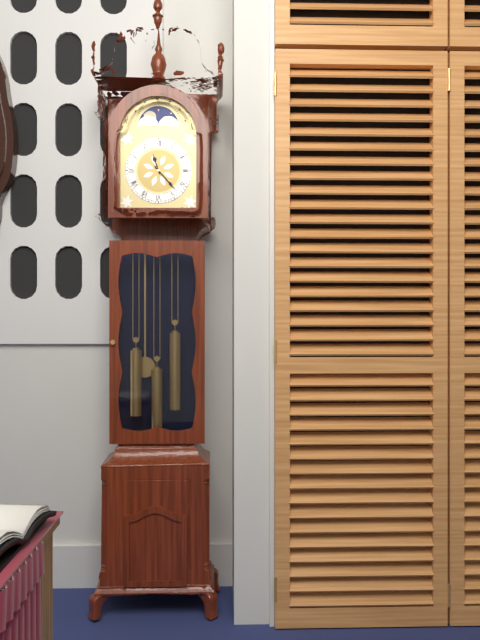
11.23
